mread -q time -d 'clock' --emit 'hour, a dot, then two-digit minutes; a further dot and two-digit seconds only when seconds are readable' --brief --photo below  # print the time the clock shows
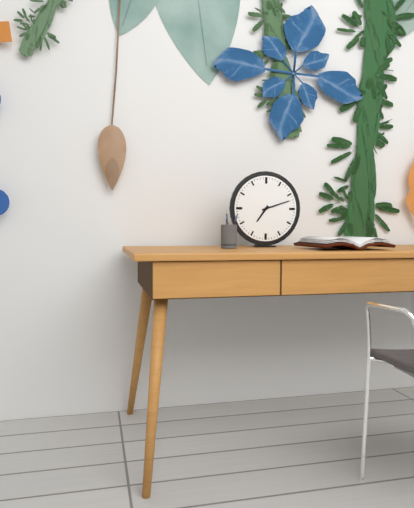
7.12
